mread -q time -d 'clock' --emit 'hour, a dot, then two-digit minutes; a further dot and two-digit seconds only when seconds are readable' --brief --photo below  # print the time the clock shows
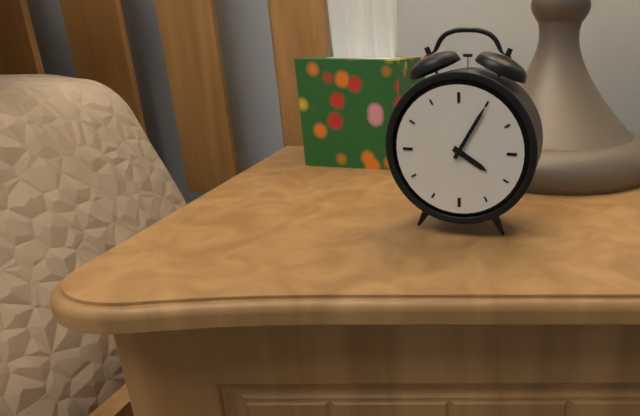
4.05
